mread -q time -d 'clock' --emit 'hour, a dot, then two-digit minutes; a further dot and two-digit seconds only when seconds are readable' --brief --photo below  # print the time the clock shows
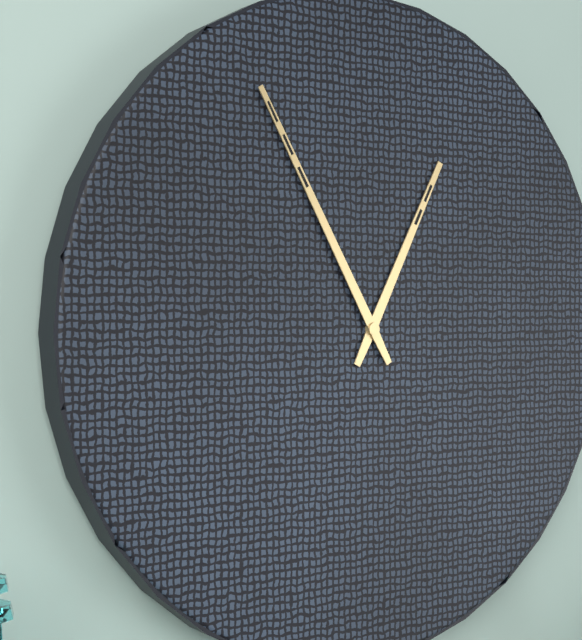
12.55
